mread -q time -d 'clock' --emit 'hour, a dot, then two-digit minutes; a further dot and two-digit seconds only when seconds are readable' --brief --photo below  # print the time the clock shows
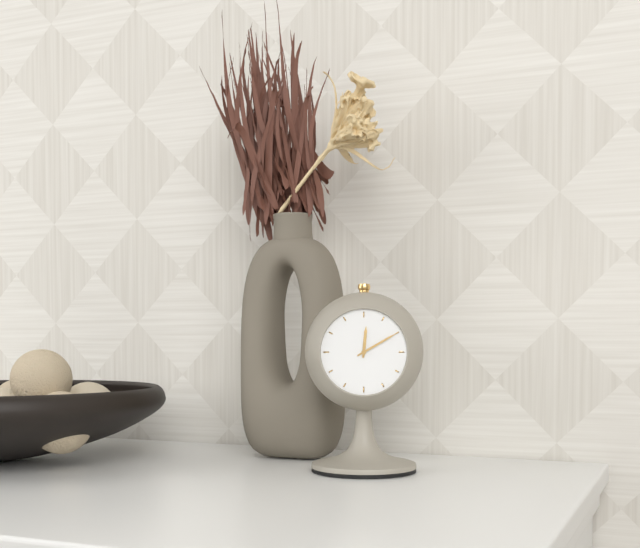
12.10
